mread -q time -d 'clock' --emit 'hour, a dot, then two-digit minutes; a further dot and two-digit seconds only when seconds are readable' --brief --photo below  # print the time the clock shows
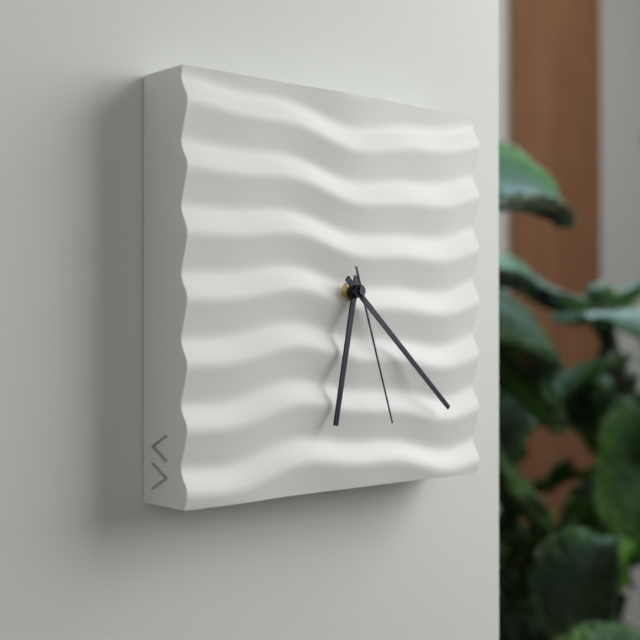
6.22.27
